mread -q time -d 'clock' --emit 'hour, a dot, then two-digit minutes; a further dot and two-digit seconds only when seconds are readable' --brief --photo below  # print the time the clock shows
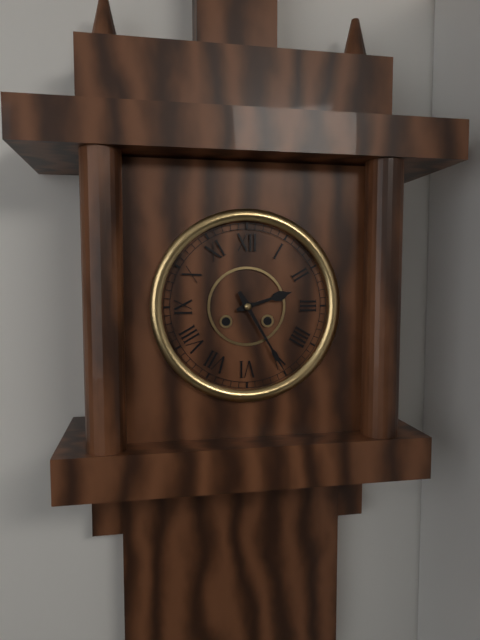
2.25
